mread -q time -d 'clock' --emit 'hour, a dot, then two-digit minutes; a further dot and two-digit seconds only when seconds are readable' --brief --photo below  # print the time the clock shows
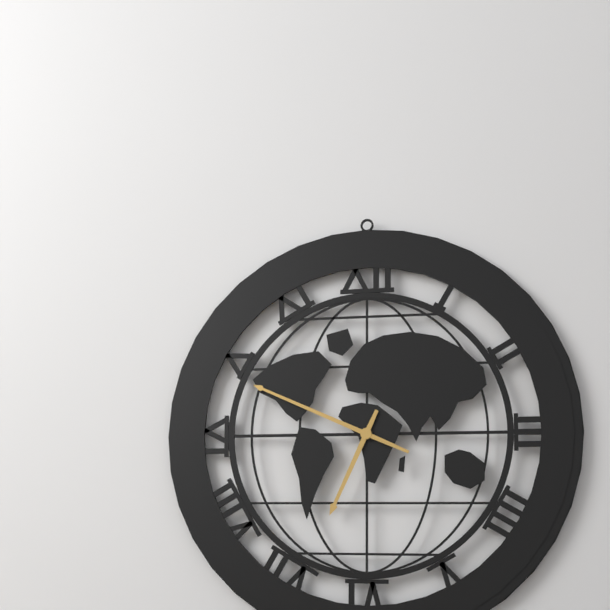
6.49
